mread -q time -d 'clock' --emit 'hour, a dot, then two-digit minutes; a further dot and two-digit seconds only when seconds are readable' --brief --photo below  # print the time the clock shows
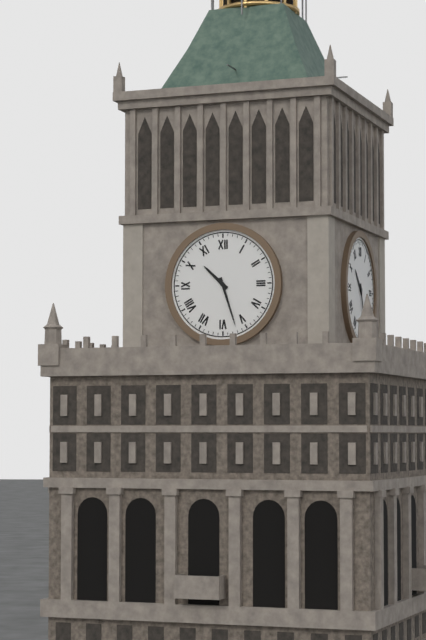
10.27
